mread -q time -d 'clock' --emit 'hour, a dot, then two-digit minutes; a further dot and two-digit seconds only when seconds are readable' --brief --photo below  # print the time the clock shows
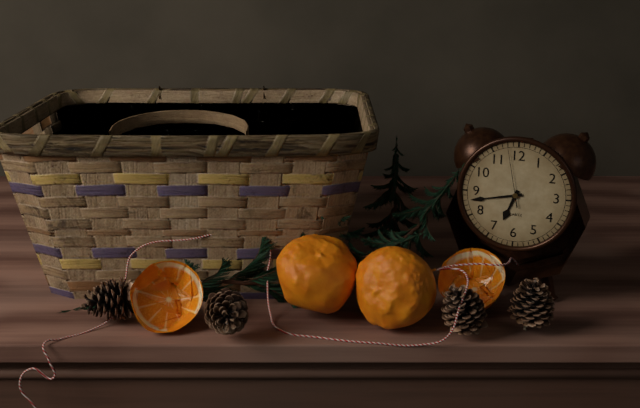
6.43.58
